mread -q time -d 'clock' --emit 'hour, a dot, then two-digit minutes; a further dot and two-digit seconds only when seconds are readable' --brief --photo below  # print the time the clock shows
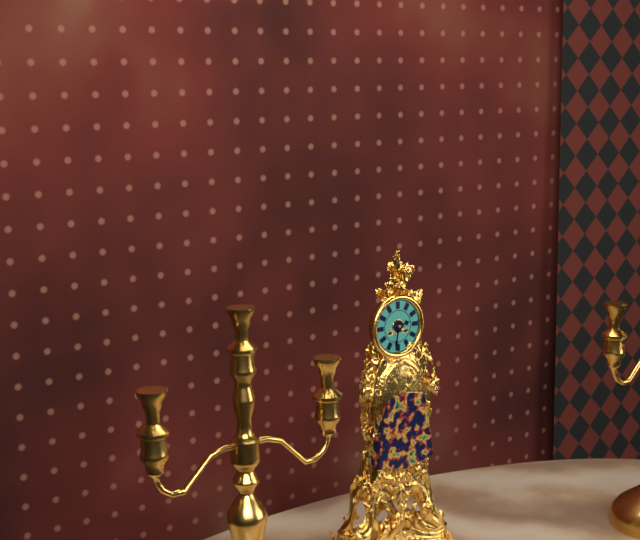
2.32
